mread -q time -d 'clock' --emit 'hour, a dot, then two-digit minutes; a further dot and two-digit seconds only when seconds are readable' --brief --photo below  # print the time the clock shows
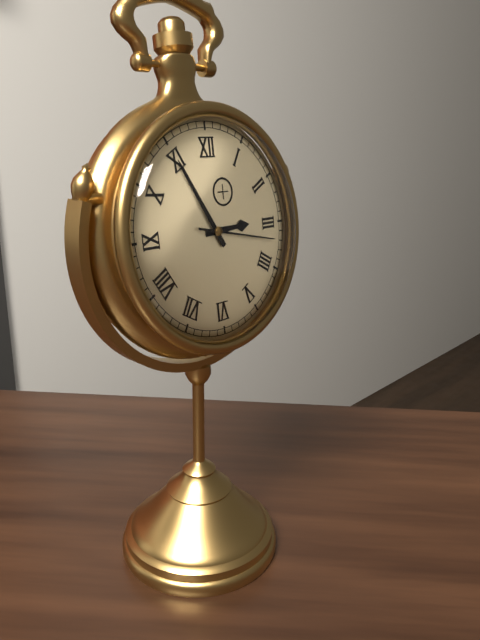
2.55.17
